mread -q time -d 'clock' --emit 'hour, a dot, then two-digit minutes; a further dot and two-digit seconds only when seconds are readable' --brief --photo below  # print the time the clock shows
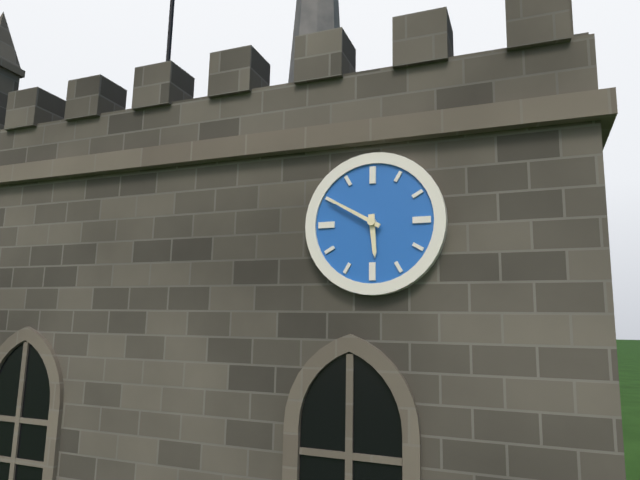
5.50
